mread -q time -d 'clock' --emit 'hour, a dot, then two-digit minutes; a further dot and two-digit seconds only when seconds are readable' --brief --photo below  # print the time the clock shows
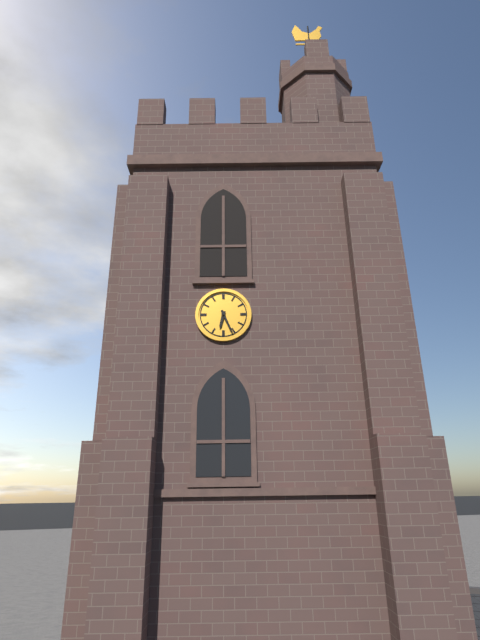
6.26
